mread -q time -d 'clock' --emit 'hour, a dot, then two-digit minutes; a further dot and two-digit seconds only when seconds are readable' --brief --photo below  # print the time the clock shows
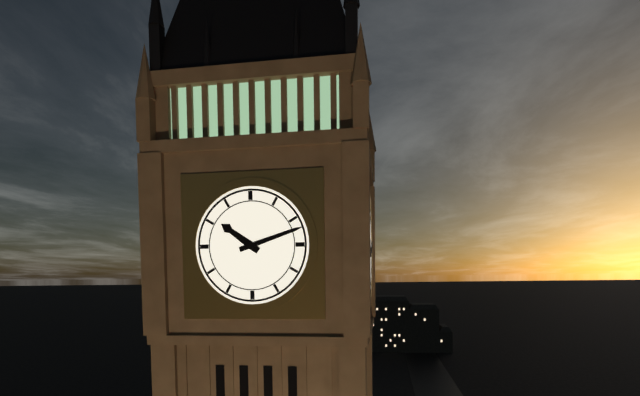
10.12
